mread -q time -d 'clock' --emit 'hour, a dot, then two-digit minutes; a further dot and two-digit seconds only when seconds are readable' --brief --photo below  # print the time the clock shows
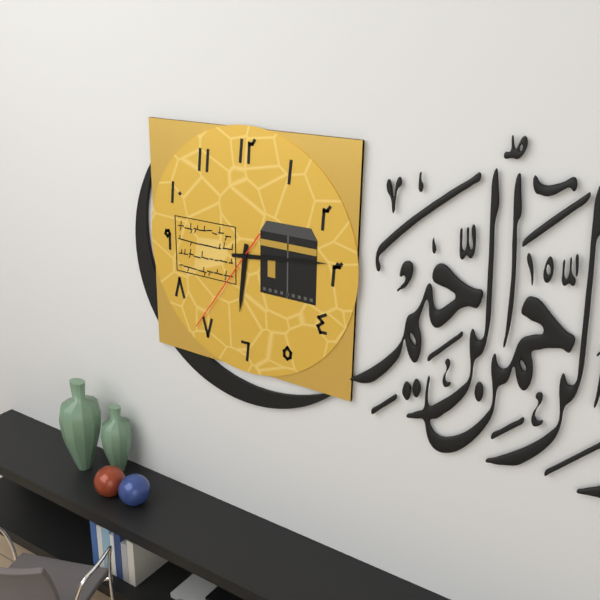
6.14.36
